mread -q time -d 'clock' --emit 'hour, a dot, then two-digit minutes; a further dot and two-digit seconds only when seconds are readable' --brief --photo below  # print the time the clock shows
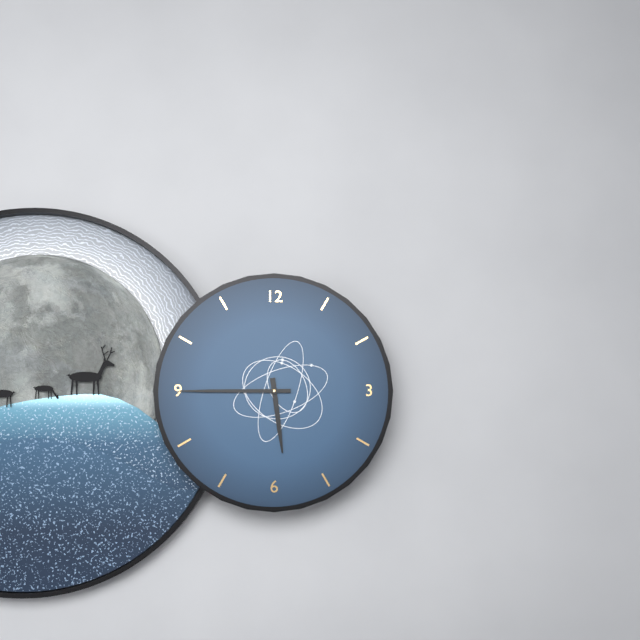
5.45
